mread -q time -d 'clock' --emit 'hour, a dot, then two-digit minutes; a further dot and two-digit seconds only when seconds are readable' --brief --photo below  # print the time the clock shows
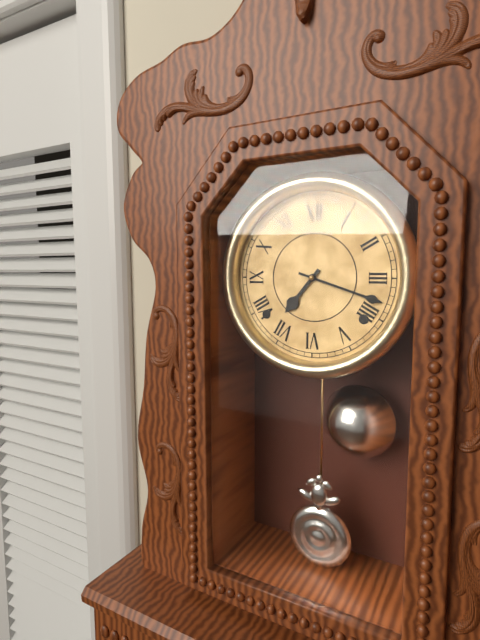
7.18
